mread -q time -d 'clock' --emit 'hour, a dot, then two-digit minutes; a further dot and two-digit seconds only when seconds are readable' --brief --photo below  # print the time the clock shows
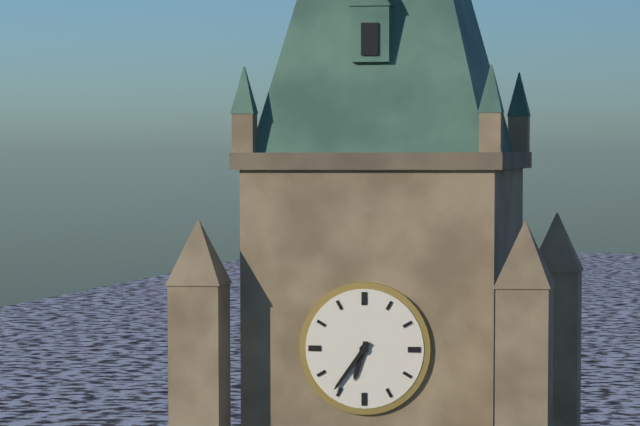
6.36
